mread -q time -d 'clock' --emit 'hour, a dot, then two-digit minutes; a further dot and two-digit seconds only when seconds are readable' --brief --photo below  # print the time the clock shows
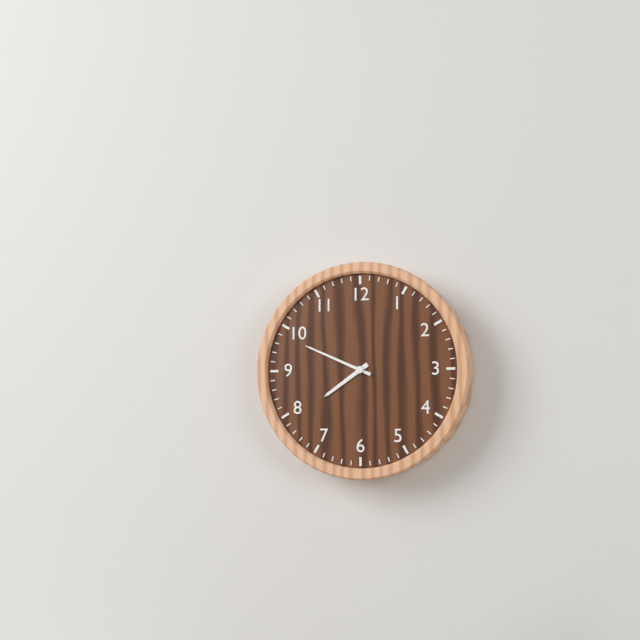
7.49
